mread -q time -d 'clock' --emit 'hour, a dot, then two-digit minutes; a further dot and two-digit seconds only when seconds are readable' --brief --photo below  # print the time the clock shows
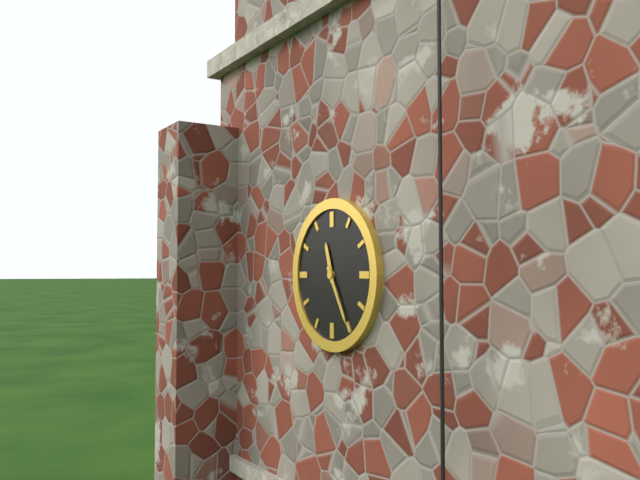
11.25
